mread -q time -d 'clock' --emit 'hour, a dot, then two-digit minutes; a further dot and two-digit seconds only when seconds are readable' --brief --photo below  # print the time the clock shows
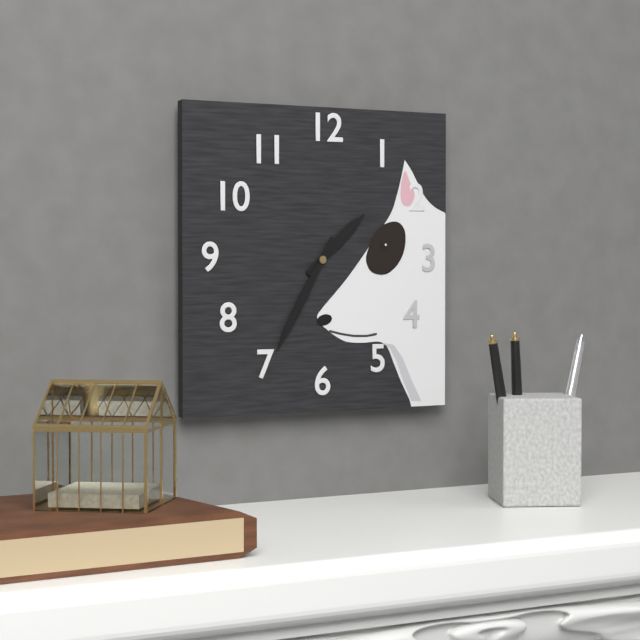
1.35
